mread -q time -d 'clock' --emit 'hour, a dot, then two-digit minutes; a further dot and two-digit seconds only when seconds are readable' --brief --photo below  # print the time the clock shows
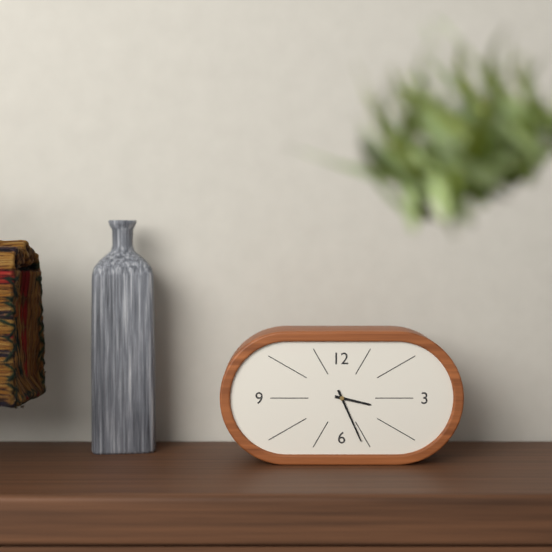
3.26
